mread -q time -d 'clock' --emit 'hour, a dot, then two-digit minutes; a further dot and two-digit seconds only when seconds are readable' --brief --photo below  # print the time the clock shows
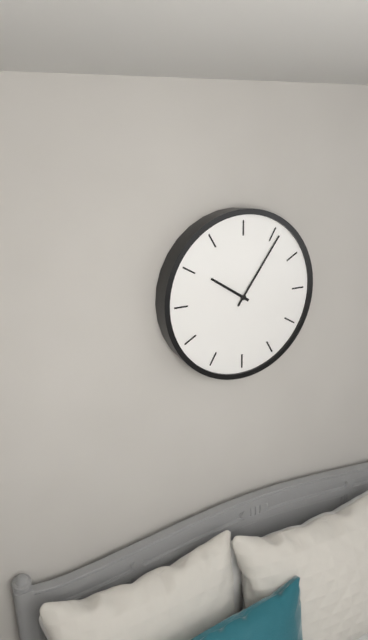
10.06
